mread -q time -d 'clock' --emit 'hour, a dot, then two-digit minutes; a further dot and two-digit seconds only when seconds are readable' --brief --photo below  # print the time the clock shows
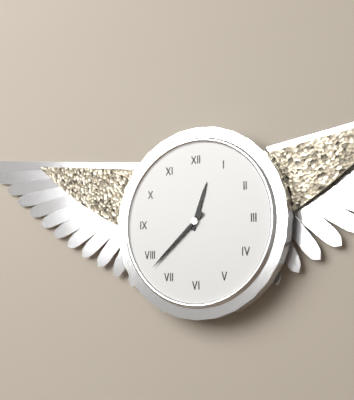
12.38
